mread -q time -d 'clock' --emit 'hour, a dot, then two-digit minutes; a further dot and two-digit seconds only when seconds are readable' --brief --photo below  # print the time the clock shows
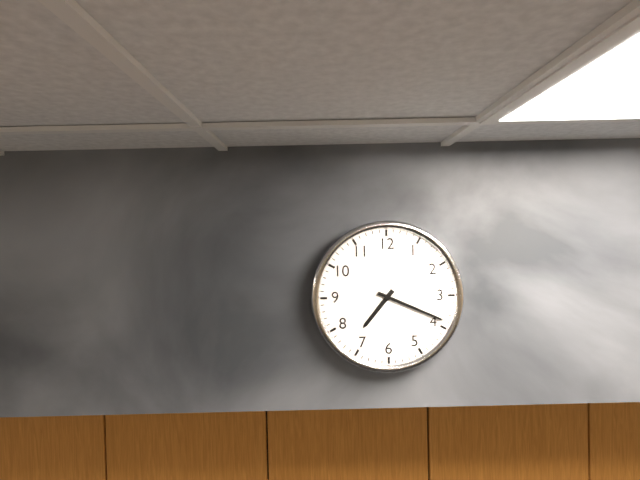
7.19
